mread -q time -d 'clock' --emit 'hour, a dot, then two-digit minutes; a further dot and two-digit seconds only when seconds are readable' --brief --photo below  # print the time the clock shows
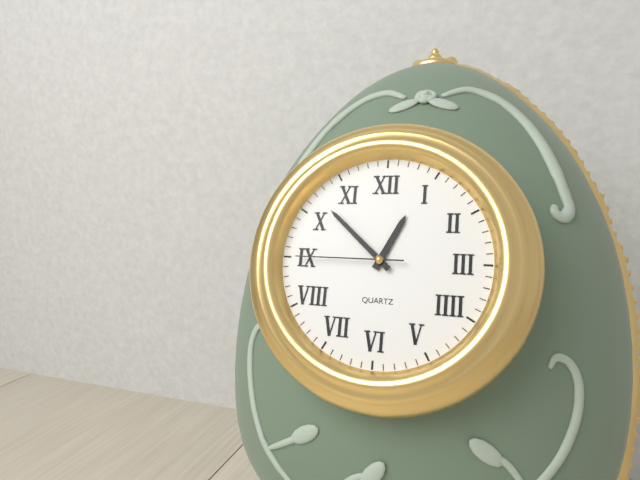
12.52.45
